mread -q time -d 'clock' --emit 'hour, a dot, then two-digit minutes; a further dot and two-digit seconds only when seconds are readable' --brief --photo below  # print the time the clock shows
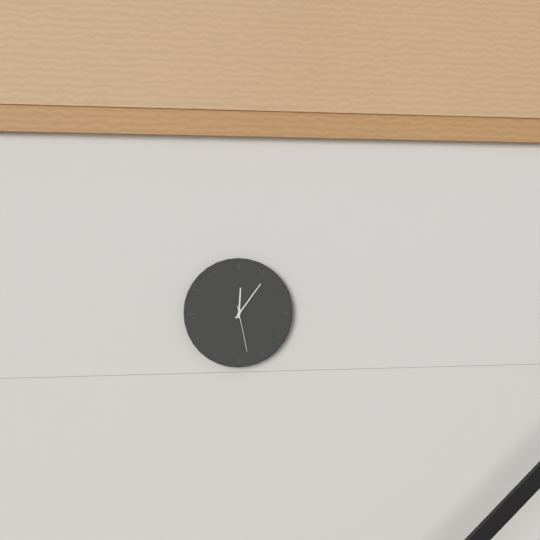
12.06
